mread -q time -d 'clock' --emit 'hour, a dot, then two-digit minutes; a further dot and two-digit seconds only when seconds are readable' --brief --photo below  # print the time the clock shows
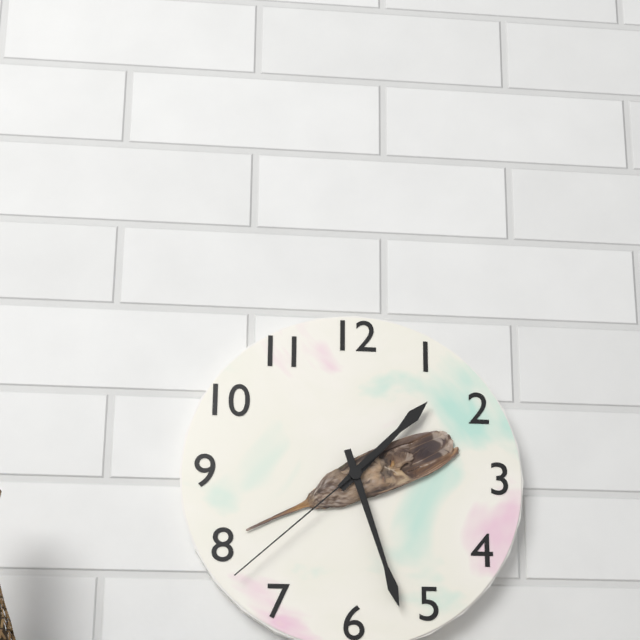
1.27.38
